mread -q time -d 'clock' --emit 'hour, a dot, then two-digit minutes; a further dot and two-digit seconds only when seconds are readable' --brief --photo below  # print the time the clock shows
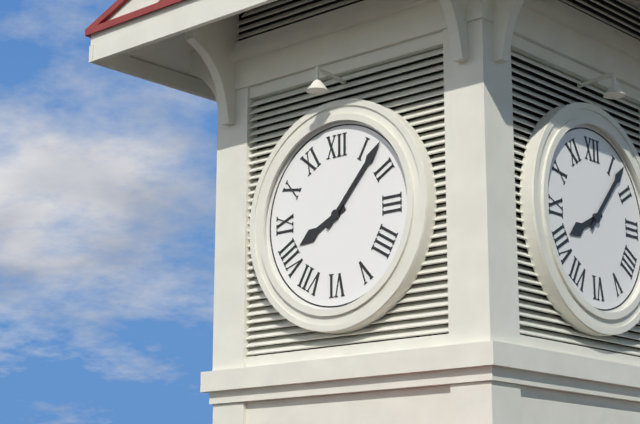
8.07
